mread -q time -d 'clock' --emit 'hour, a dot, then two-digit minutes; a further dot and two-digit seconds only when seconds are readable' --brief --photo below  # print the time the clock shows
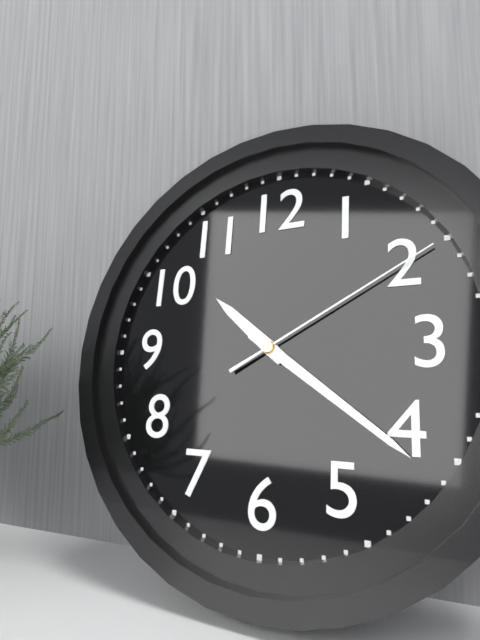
10.21.10
